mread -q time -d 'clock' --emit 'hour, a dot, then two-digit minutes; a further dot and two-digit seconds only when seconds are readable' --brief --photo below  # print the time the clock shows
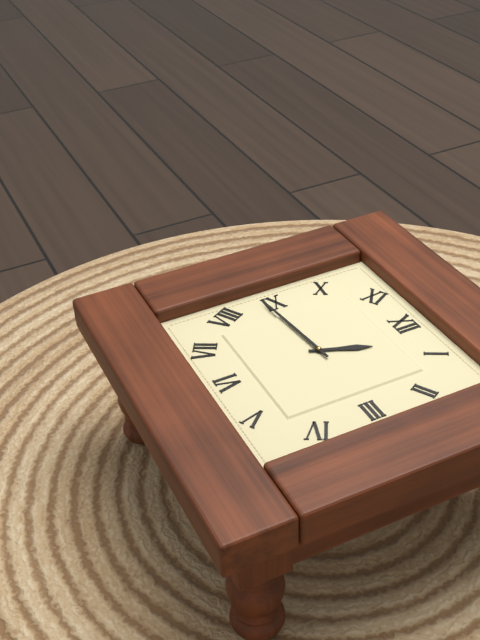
12.44
